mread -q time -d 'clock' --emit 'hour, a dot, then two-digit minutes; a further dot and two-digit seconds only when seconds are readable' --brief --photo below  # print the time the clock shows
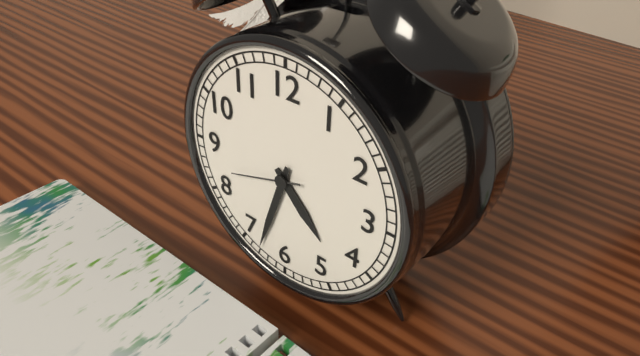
4.33.42
